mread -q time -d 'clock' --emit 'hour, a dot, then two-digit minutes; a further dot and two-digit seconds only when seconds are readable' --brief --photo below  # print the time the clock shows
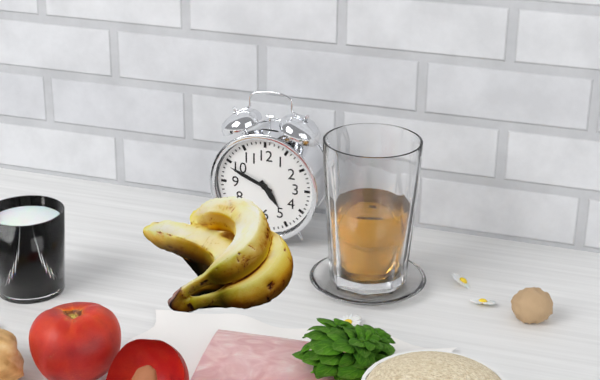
4.49
